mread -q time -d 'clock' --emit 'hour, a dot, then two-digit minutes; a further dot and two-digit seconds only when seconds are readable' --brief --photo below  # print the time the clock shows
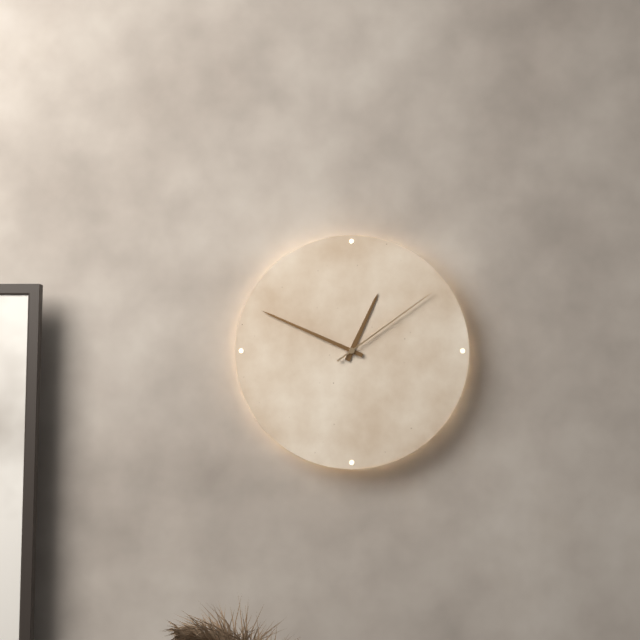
12.49.09
